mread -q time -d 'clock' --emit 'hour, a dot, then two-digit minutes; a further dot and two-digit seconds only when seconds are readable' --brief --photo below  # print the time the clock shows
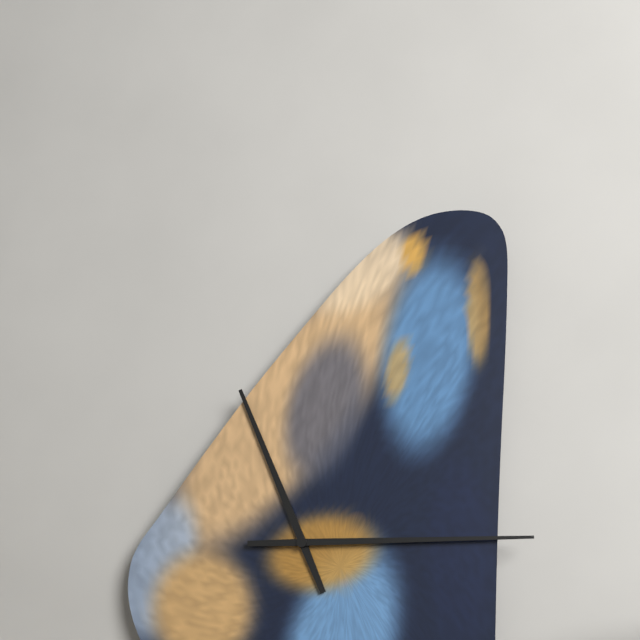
11.15
